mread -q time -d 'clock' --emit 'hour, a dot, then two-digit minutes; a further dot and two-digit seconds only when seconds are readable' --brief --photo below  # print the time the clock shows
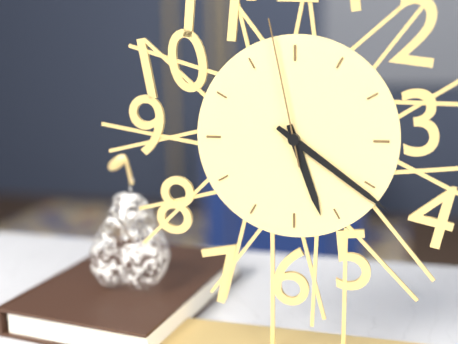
5.21.58
